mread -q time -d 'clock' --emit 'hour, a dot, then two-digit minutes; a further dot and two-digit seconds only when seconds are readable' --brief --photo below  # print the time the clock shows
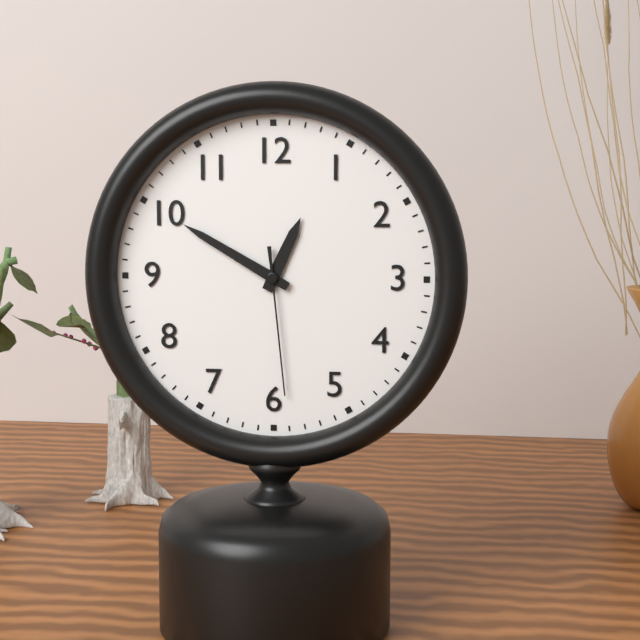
12.50.29
